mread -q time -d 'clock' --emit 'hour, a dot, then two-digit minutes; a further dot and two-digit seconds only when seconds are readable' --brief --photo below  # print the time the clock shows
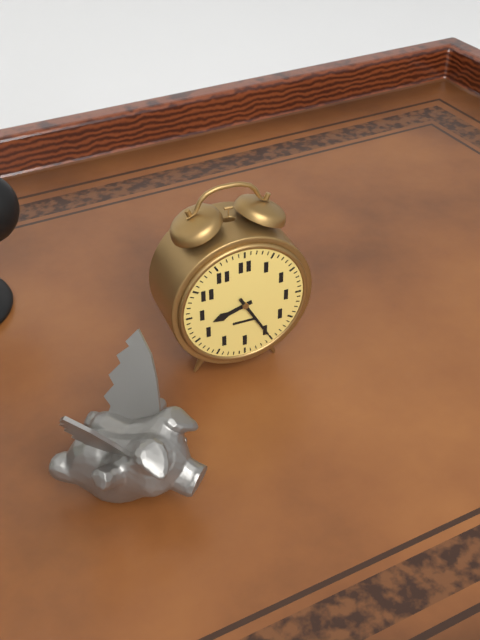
8.25
